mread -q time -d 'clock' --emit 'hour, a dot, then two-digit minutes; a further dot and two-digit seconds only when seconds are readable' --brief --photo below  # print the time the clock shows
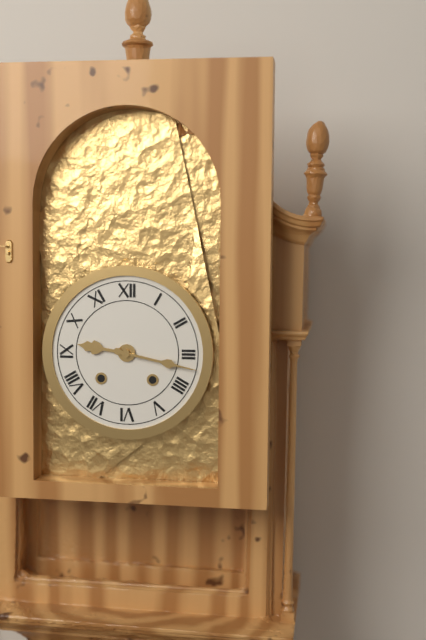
9.17
